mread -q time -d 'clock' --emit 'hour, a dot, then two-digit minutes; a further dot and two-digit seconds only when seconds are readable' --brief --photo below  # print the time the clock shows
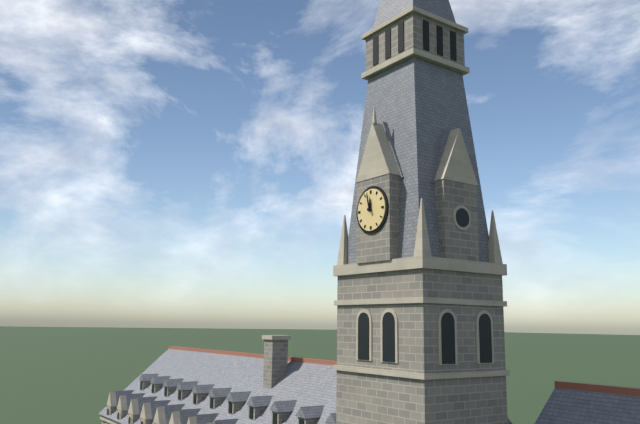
11.58
